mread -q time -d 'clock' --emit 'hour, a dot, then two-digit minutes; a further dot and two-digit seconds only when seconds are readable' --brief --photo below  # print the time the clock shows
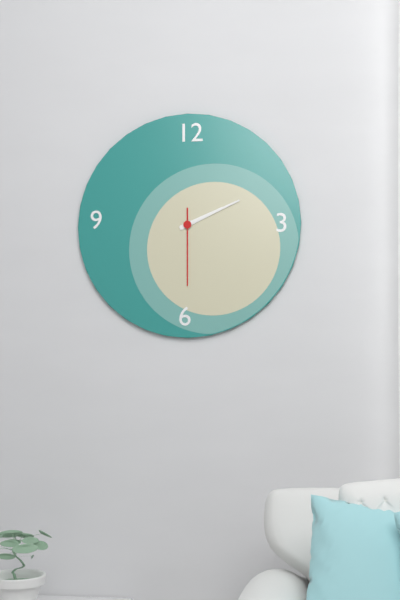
2.11.30
